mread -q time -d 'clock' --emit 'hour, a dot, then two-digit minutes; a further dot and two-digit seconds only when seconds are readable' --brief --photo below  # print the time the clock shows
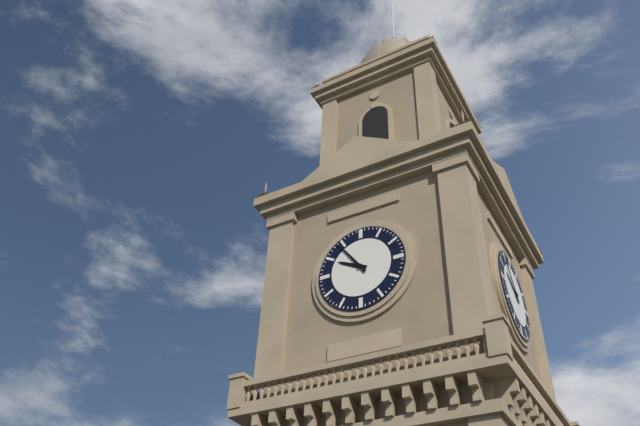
9.54
